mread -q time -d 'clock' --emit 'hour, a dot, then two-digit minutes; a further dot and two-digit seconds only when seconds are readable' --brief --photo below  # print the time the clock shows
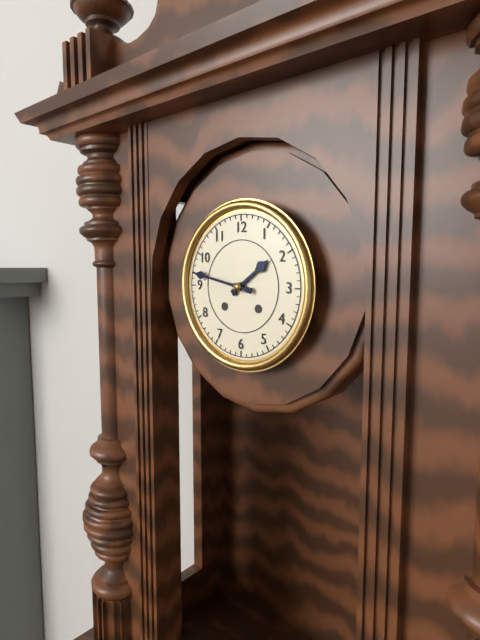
1.47
